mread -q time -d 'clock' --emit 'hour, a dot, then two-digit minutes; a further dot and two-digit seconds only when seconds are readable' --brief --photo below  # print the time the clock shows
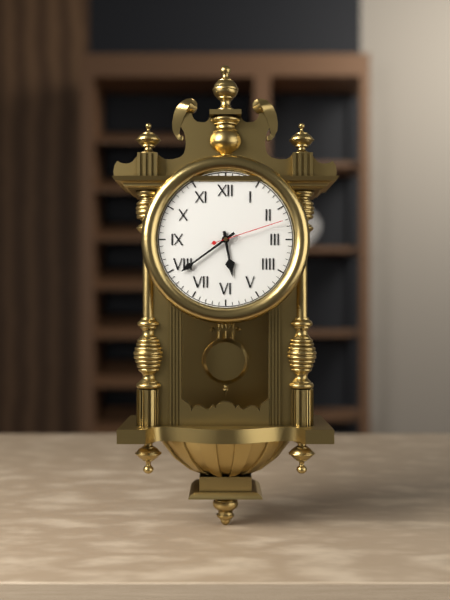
5.39.12
